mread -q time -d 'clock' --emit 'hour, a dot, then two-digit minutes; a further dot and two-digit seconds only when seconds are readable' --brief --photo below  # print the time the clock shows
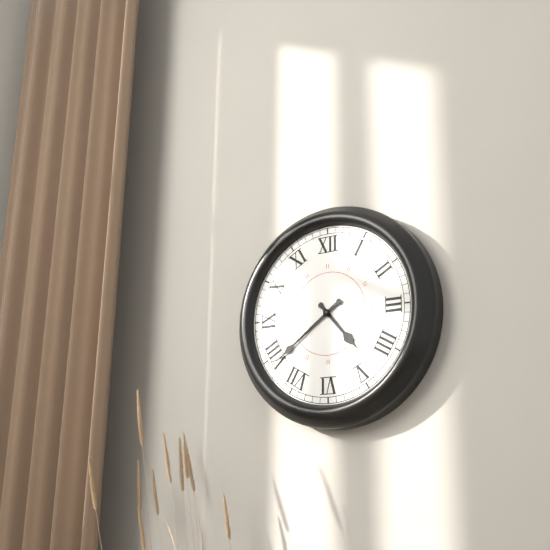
4.39
